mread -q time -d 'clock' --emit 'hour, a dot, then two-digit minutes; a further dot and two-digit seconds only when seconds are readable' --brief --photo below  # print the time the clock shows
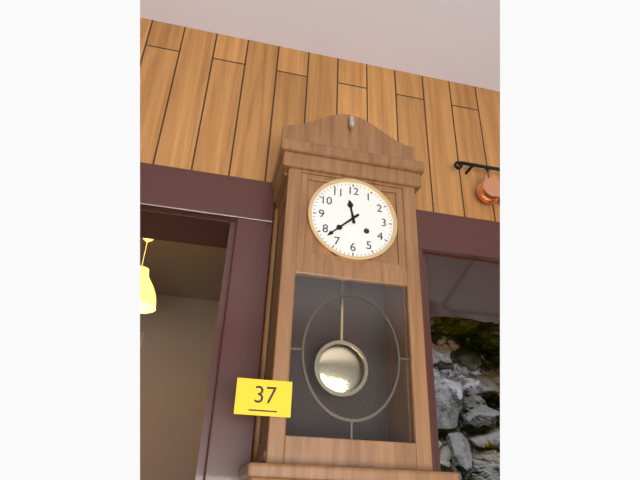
11.38
